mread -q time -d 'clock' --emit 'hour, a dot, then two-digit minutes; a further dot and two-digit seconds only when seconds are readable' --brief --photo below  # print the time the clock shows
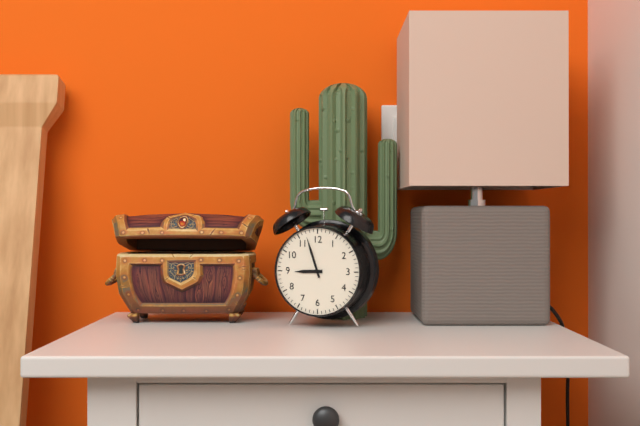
8.57
